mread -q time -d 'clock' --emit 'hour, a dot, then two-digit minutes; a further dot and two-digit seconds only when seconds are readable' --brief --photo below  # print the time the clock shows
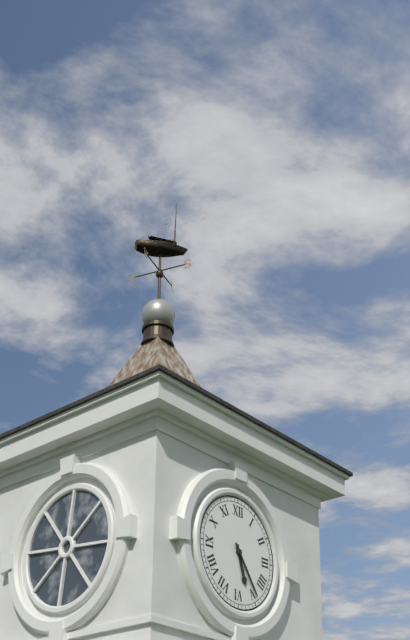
5.24
